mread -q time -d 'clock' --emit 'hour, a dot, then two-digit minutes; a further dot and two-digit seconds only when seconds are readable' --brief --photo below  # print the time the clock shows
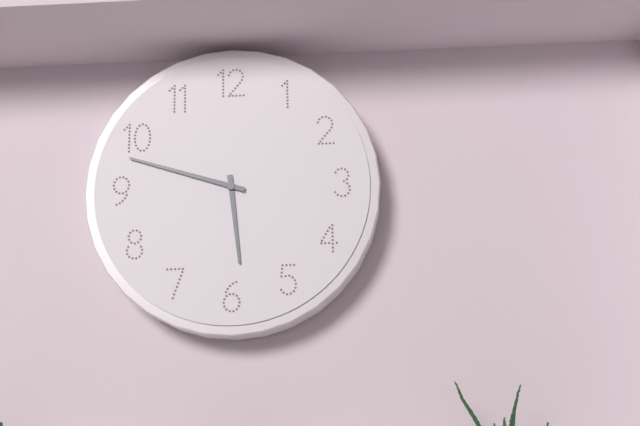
5.48
